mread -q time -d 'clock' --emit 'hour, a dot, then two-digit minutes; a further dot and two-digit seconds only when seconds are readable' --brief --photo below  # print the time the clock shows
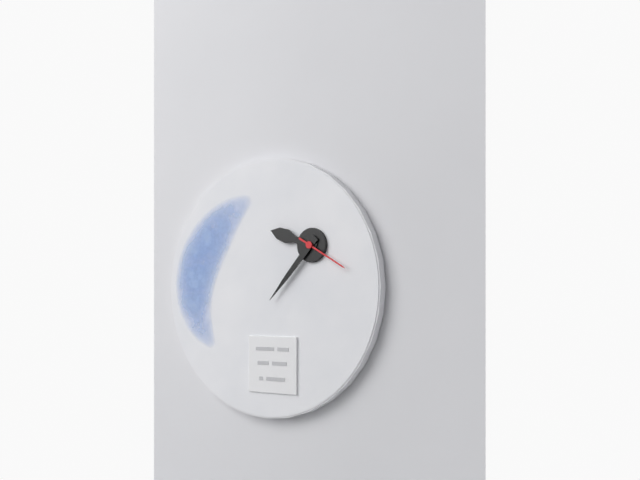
9.37.20
